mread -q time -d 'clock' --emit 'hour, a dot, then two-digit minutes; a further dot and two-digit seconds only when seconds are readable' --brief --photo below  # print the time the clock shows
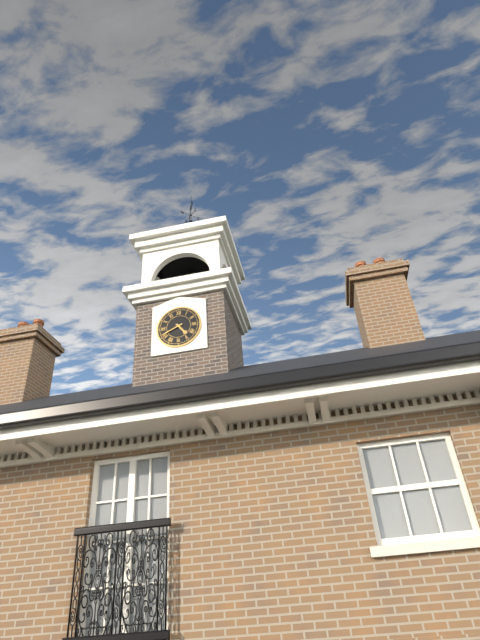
4.41
